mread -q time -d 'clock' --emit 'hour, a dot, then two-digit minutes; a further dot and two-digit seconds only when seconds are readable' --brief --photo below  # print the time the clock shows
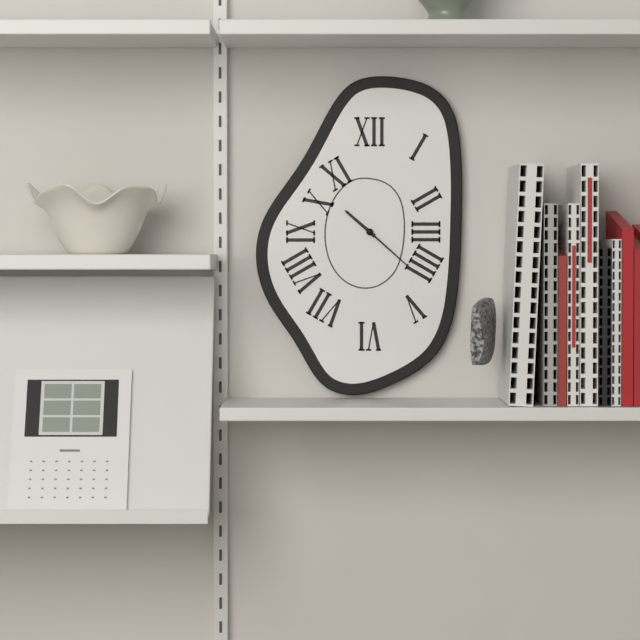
10.22
